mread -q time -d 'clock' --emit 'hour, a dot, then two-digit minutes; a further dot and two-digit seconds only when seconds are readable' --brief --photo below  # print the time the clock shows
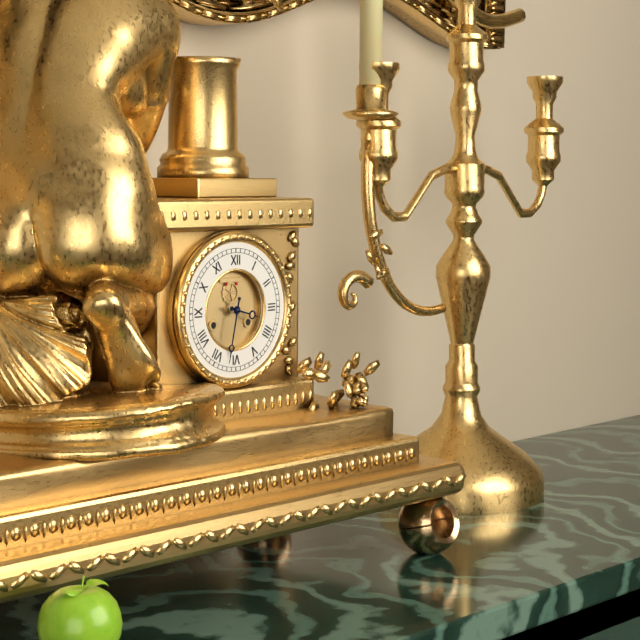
3.32
